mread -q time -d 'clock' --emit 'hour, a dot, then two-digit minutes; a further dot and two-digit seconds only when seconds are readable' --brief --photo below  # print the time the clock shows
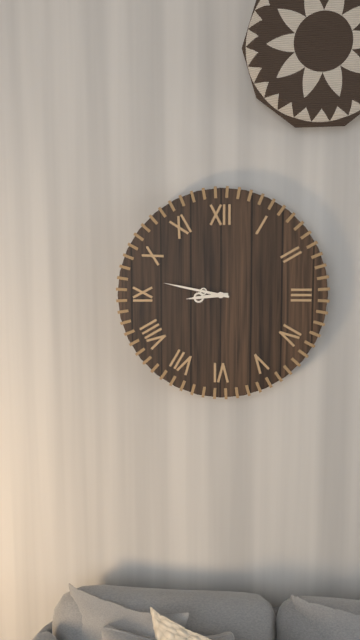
8.47
